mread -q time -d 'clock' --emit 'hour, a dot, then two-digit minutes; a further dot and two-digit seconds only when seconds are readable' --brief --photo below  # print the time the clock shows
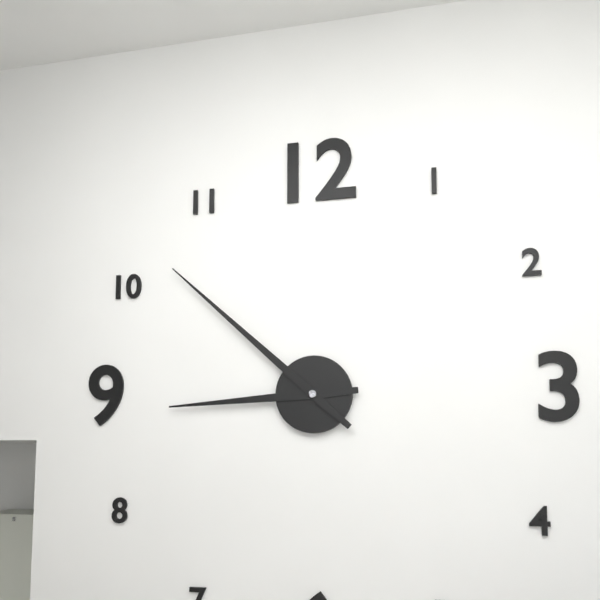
8.52
